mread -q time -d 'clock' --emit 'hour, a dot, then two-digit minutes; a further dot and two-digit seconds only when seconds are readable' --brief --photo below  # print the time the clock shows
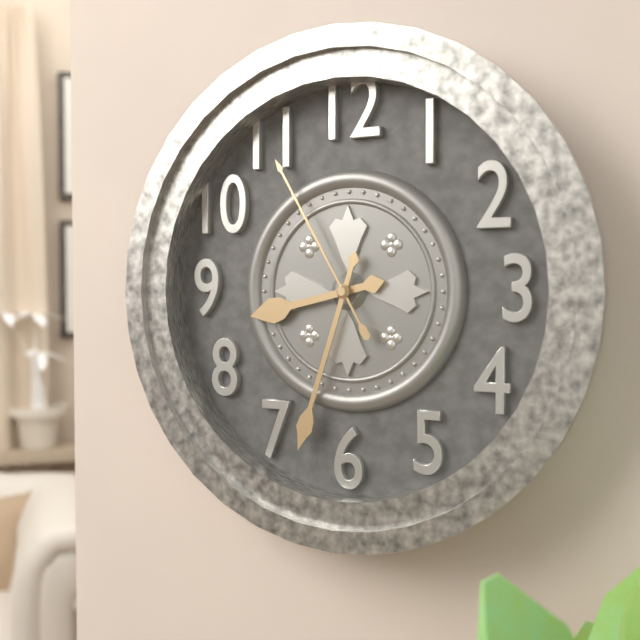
8.33.55
